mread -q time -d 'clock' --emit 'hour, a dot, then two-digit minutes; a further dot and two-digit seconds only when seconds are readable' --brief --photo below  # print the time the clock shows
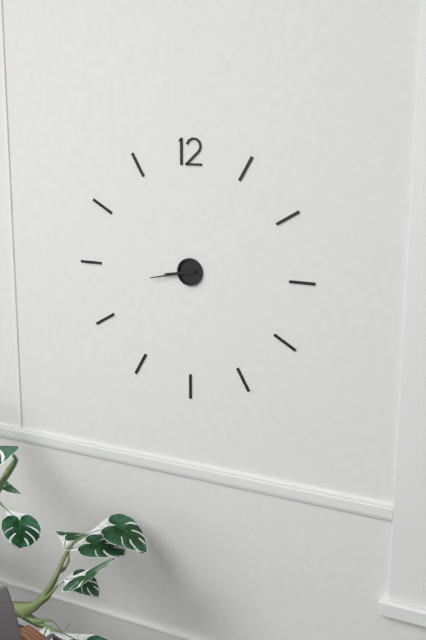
8.43
